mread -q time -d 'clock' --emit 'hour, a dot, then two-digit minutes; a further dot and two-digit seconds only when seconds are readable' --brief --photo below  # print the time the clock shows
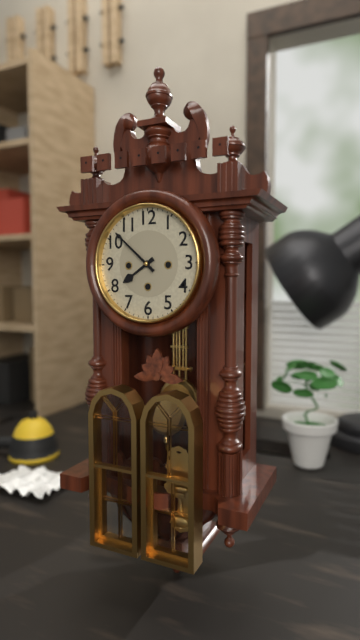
7.52
